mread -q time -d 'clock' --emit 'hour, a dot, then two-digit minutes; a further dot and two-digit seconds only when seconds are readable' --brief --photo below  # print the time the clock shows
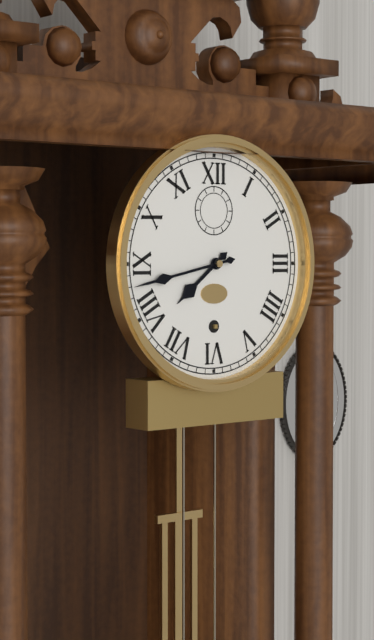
7.43
